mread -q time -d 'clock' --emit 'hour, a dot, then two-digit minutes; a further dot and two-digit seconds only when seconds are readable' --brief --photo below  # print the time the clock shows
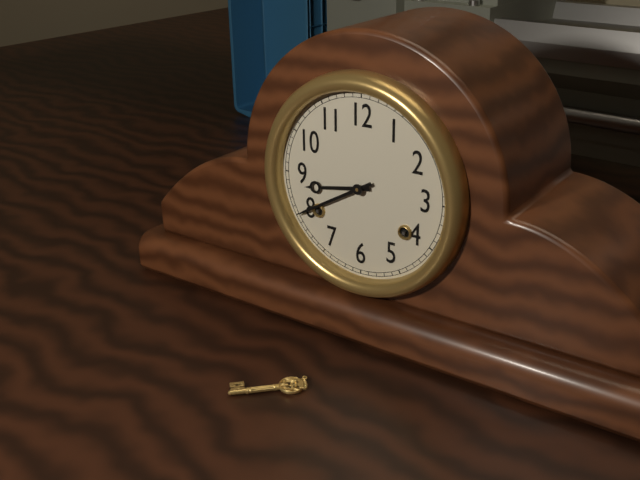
8.40
